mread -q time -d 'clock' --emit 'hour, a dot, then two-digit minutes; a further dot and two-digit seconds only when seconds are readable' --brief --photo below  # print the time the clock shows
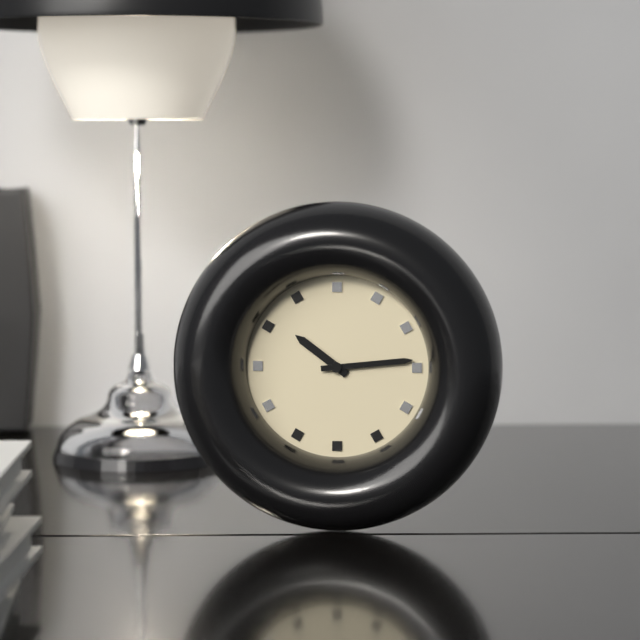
10.14
